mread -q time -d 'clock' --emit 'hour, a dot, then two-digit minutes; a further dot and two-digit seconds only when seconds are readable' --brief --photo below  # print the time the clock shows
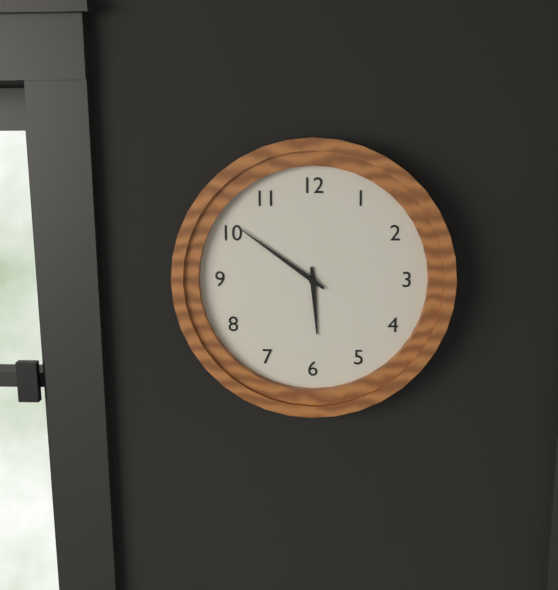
5.51
